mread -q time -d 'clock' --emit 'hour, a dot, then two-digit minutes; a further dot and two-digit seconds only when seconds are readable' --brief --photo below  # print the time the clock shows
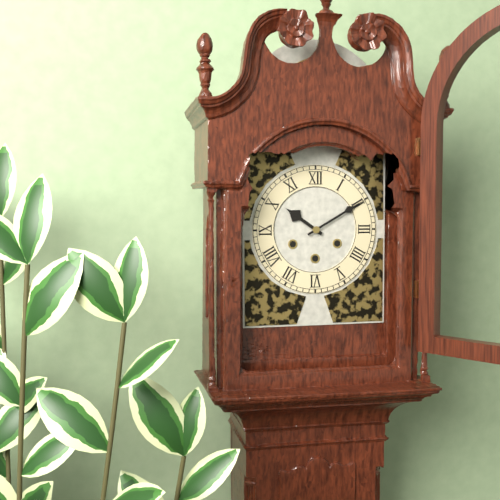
10.10
